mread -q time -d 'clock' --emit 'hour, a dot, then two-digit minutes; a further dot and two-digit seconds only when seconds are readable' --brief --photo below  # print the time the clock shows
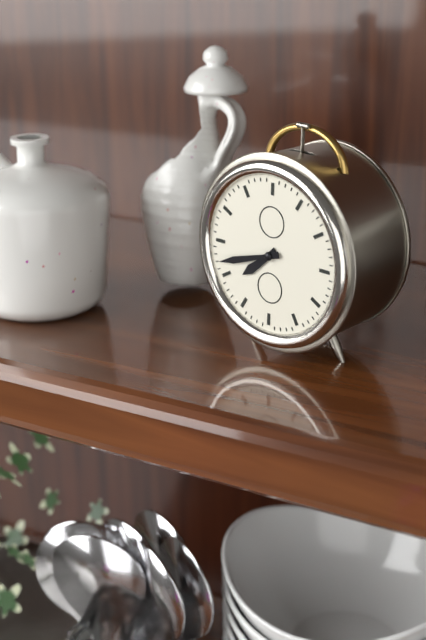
7.42
